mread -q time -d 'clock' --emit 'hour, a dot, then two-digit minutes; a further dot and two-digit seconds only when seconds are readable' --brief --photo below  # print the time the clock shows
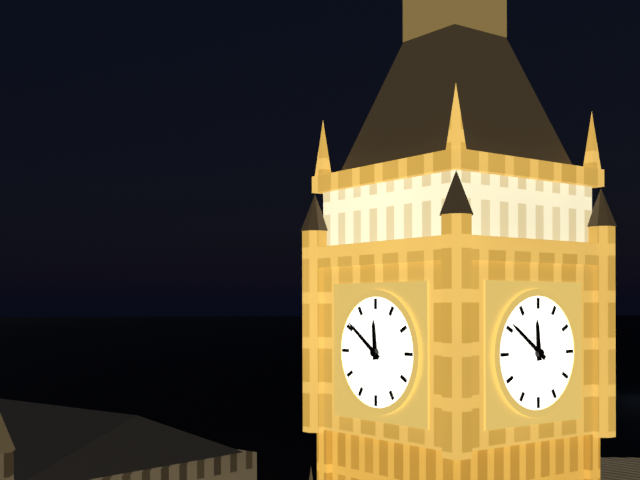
11.51
